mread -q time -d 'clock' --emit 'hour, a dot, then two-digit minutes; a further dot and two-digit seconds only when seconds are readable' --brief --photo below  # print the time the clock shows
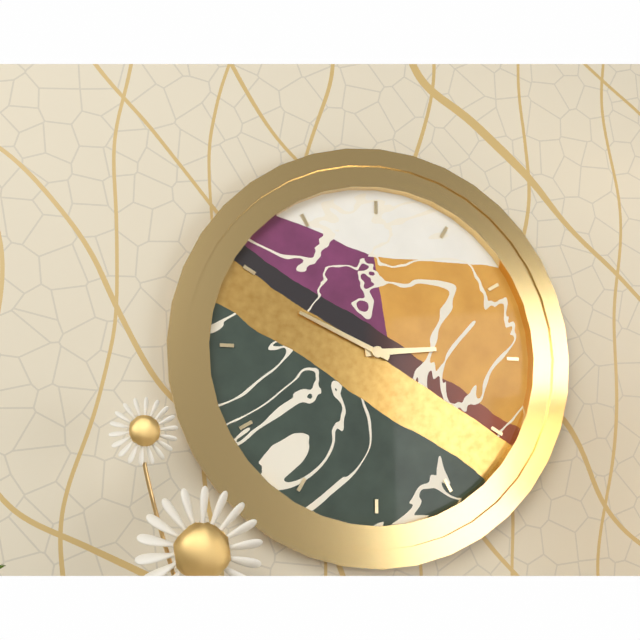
2.49
